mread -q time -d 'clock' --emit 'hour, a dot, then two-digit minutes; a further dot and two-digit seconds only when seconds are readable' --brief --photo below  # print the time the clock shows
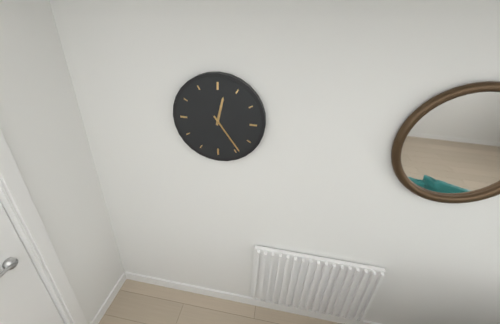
12.24
